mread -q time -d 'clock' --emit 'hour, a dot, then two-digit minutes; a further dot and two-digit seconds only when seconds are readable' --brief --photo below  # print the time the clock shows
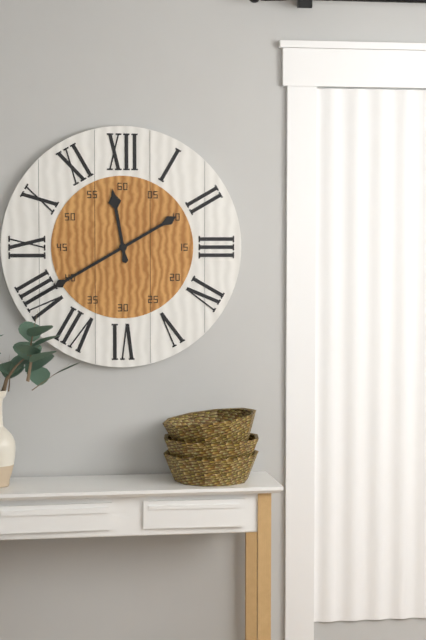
11.40
